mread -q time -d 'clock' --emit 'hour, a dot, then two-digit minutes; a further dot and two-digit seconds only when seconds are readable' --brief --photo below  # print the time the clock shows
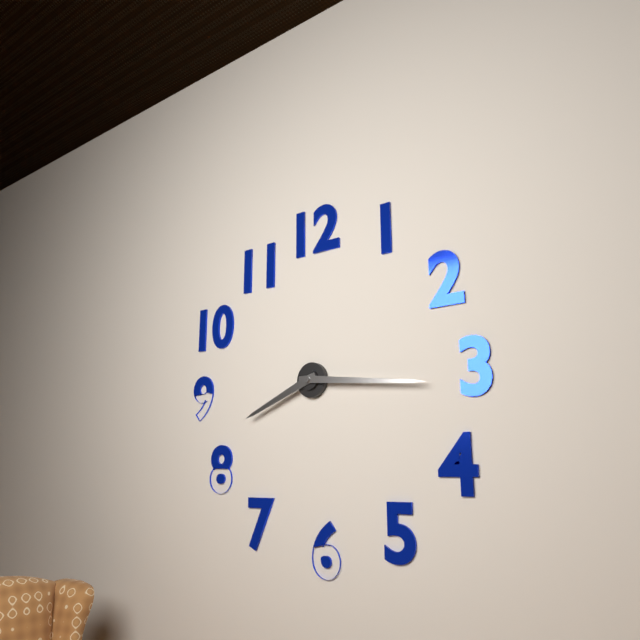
8.16
